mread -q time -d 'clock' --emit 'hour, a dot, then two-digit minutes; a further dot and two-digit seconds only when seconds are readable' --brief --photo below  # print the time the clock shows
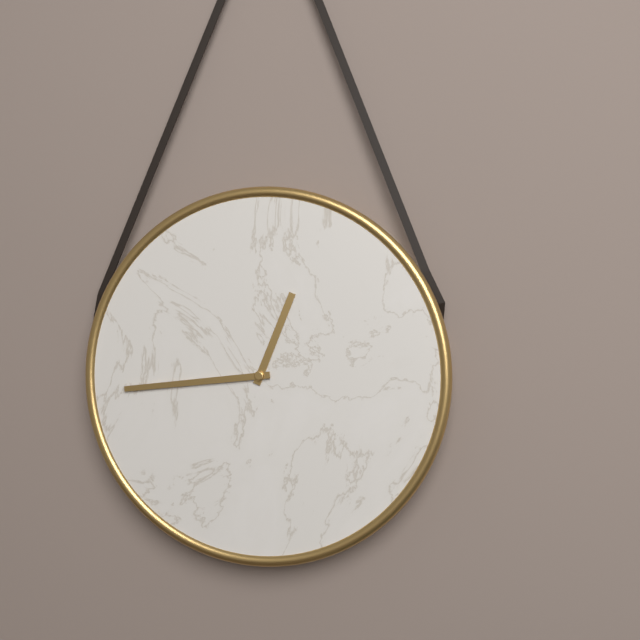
12.44
